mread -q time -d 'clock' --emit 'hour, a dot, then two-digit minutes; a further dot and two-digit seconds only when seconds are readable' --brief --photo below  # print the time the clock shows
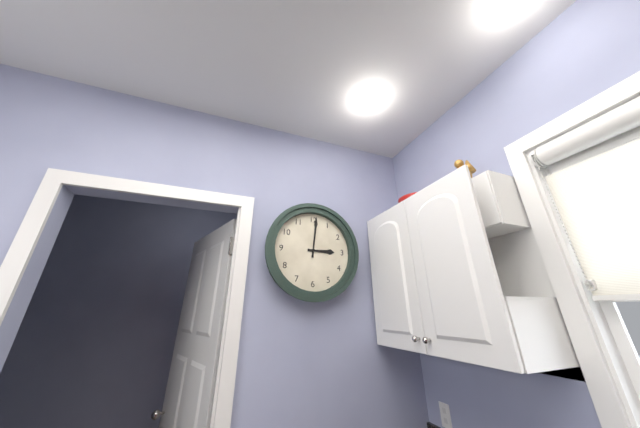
3.01
